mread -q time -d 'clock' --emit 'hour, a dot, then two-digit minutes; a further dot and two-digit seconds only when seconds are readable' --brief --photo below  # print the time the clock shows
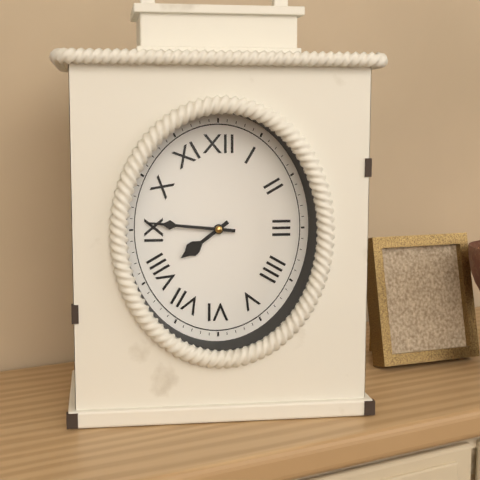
7.46
